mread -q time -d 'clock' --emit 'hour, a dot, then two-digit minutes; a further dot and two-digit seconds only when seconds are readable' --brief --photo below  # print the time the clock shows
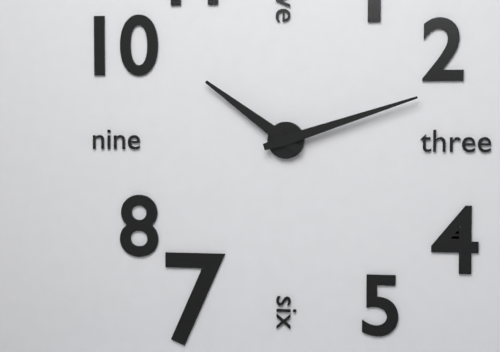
10.12
